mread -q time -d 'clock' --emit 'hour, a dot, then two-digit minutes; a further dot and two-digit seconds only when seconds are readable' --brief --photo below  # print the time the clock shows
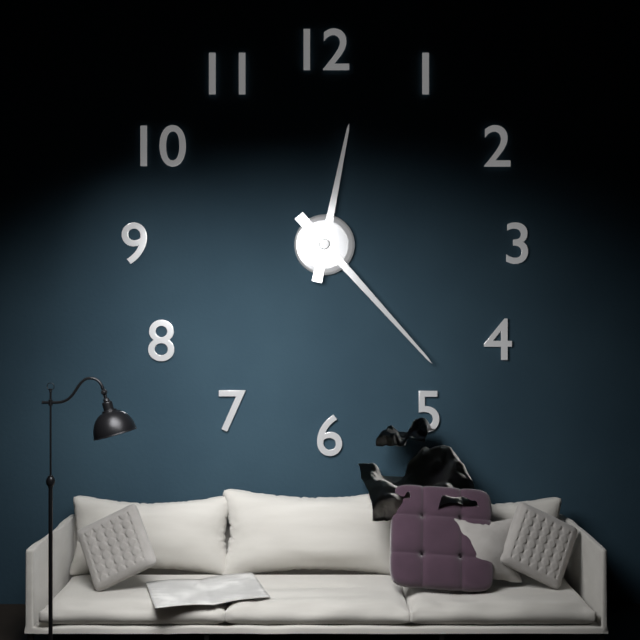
12.23
